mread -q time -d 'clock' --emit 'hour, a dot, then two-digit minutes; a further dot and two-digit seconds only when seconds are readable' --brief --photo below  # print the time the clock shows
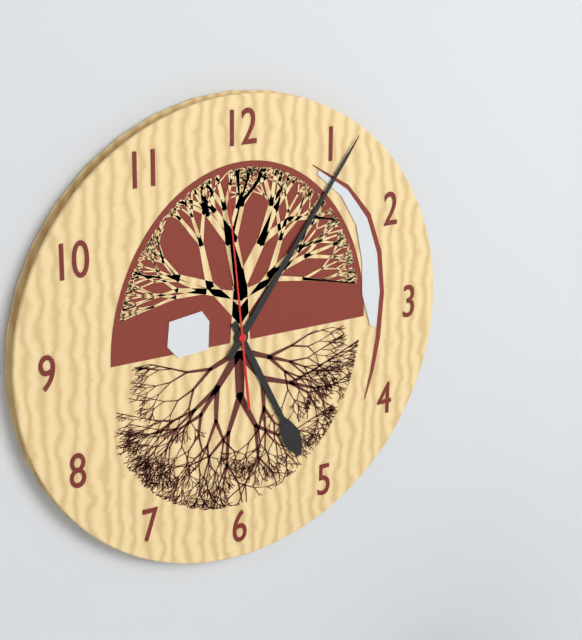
5.06.59
